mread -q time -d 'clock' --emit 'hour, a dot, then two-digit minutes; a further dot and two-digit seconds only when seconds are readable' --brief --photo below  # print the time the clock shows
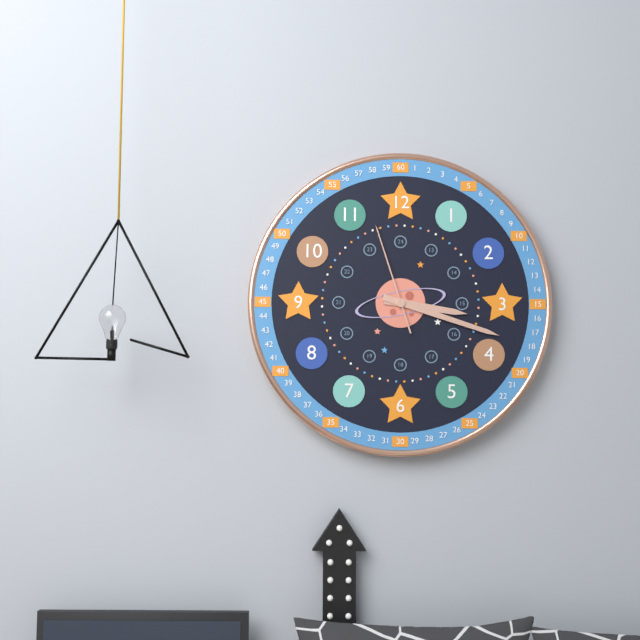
3.18.57
